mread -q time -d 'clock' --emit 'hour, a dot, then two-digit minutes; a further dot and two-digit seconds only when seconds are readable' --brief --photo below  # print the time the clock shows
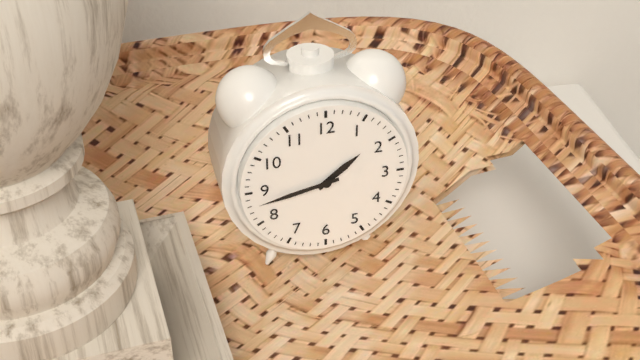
1.43
